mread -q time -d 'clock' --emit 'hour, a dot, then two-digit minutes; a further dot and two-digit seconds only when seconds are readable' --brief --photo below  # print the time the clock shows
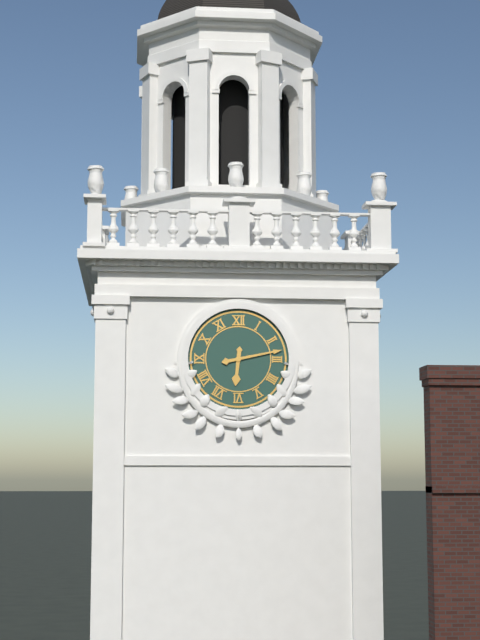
6.13
